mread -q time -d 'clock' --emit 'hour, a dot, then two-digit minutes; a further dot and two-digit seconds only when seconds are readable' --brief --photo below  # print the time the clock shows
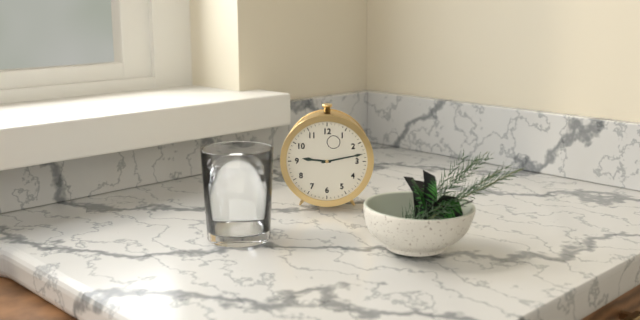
9.13
